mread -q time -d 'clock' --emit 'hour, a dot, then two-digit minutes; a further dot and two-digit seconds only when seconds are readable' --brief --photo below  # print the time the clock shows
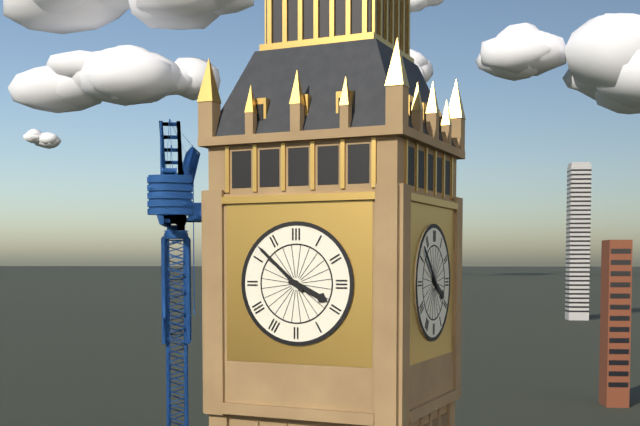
3.52
